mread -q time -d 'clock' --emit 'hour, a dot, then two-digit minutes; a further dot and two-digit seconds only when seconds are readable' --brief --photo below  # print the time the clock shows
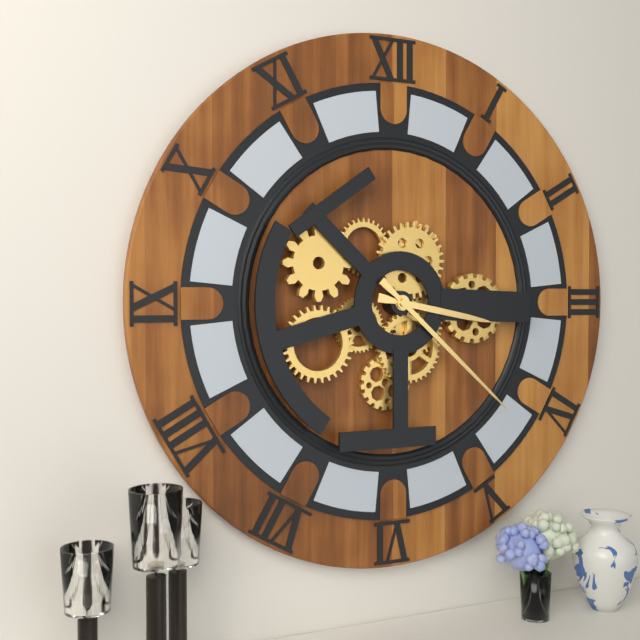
3.22
